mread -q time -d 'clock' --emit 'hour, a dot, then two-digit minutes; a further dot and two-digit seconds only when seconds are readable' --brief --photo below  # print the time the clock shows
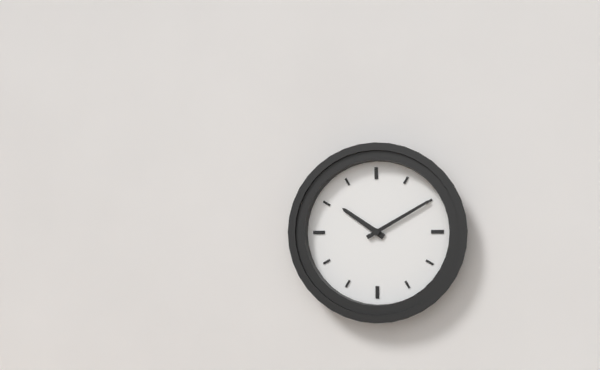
10.10
